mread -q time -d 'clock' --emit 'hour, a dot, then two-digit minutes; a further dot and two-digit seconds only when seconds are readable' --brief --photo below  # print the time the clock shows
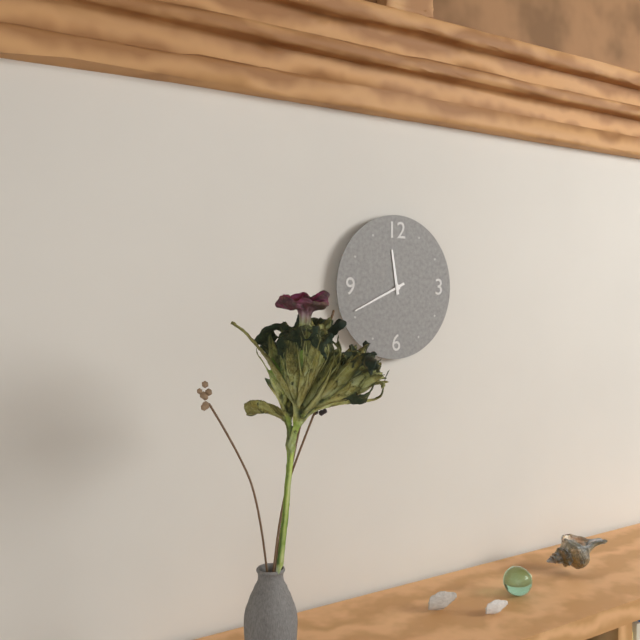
11.41
